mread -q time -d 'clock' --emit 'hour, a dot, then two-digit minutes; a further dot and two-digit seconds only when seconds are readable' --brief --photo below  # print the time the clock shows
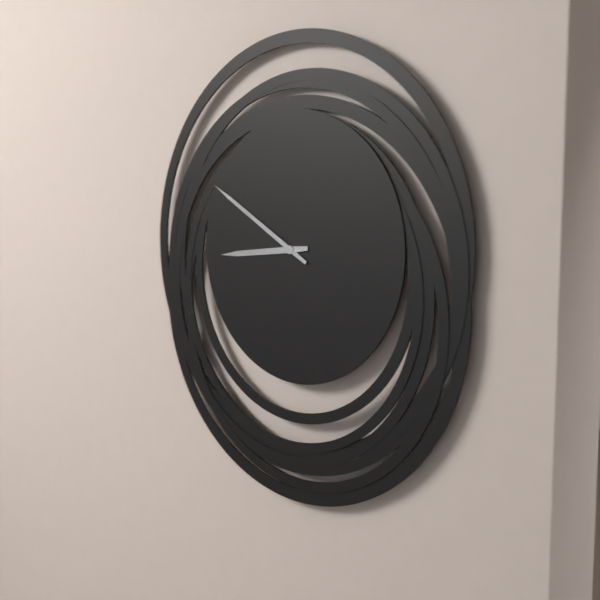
8.50
